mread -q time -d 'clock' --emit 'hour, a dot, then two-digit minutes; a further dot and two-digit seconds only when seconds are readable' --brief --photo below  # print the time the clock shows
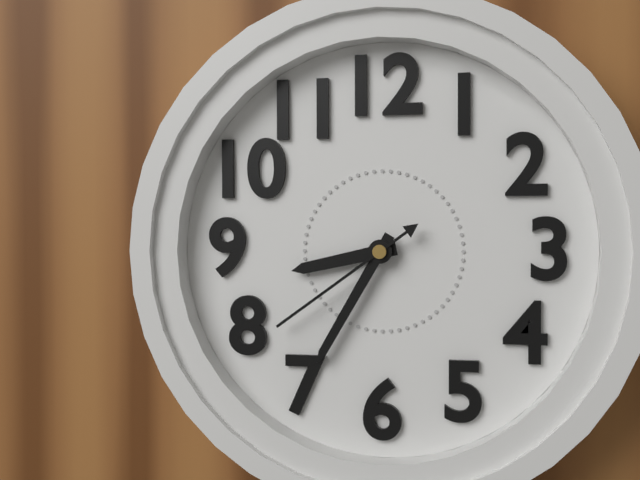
8.35.39
